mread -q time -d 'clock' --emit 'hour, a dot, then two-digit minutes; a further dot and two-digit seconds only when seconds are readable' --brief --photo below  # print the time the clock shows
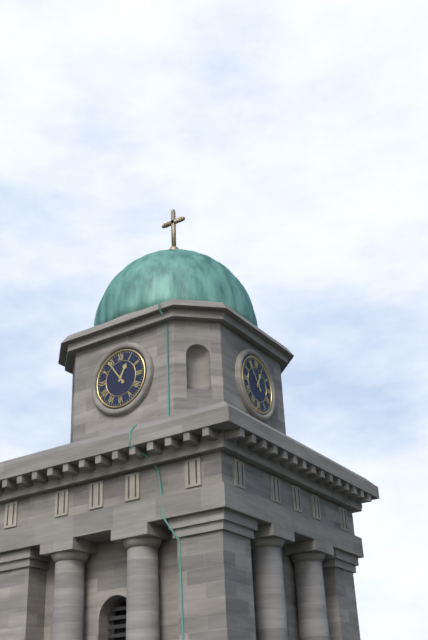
12.54
